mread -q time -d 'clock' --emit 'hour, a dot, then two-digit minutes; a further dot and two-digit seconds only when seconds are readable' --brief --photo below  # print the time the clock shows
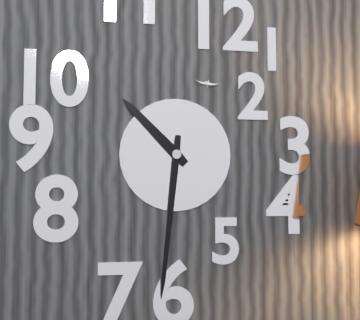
10.31
